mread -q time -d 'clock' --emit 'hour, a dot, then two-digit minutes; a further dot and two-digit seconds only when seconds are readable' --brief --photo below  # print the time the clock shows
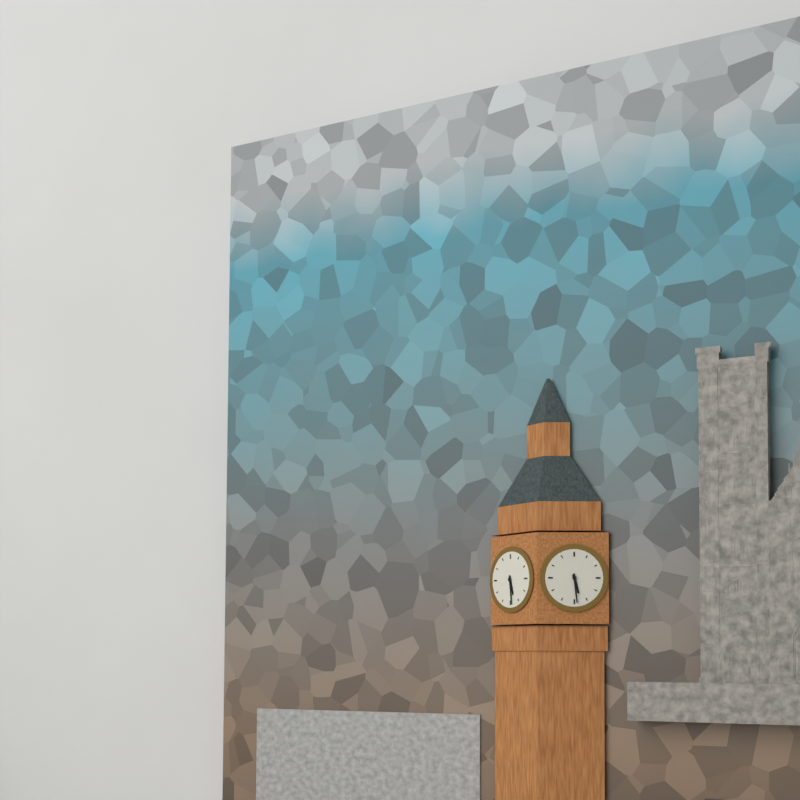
5.29
